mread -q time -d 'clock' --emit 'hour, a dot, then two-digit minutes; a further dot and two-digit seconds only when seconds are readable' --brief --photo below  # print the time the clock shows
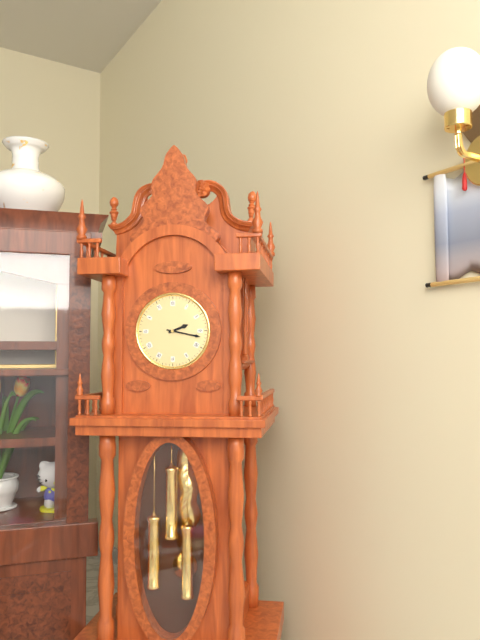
2.17
